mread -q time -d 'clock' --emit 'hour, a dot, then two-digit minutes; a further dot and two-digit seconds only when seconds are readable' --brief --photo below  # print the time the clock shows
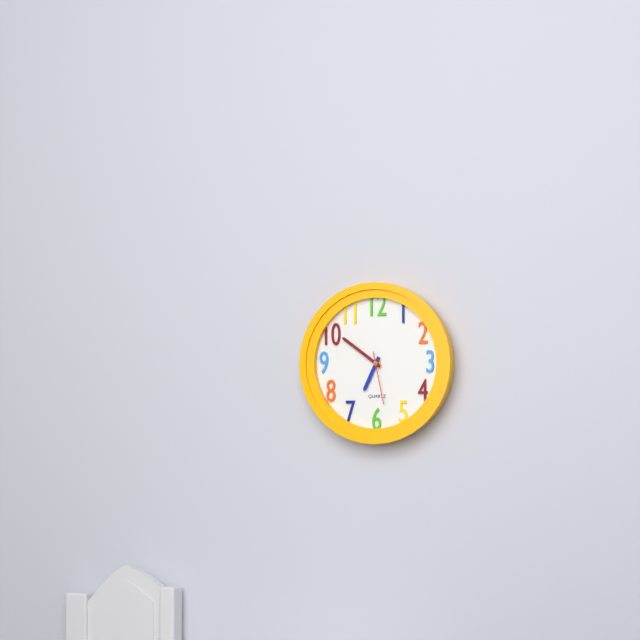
6.51.28
